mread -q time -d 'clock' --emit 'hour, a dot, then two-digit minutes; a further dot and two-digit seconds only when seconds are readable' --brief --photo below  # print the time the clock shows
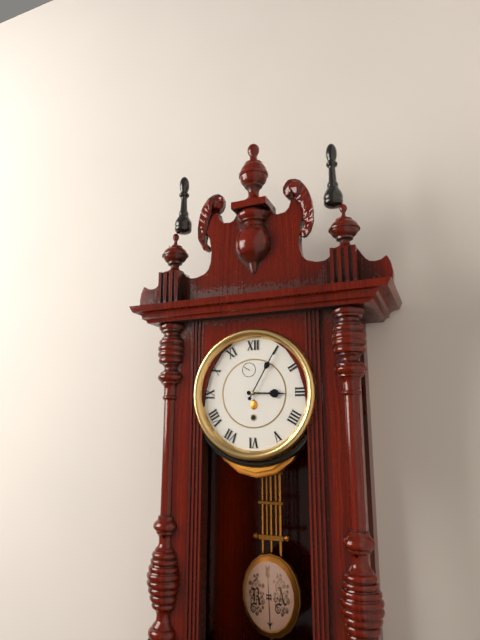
3.05
